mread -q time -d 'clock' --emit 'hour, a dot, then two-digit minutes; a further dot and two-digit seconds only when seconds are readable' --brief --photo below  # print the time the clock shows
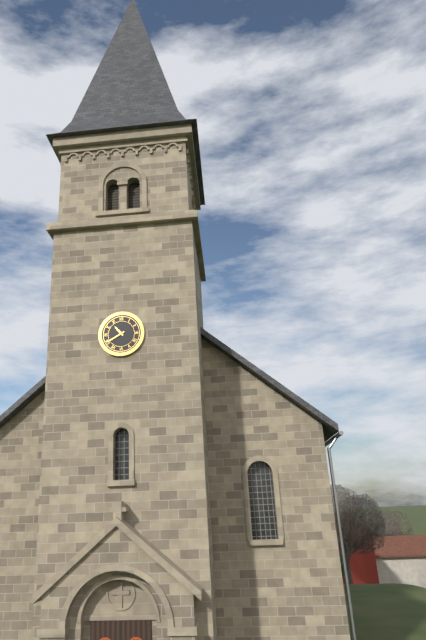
10.40
